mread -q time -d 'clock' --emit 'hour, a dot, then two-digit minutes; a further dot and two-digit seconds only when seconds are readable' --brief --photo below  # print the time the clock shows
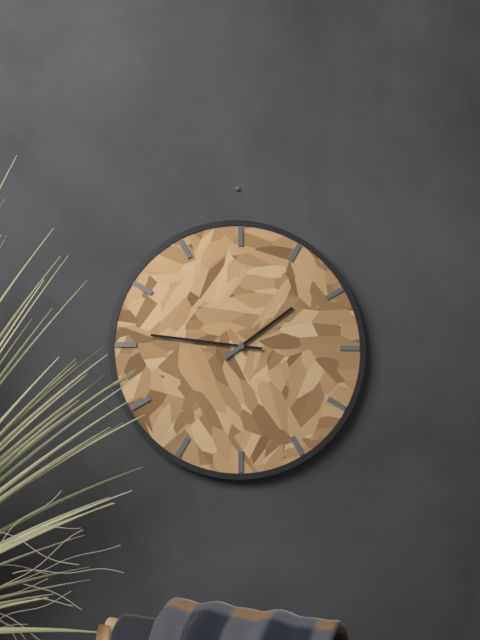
1.46
